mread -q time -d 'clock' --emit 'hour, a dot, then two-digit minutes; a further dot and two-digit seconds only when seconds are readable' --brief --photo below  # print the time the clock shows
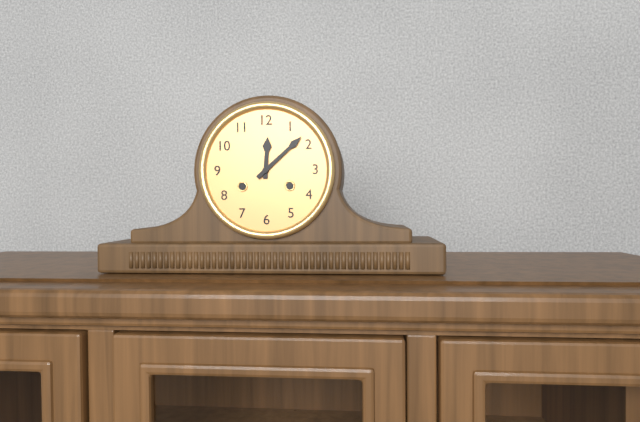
12.08
